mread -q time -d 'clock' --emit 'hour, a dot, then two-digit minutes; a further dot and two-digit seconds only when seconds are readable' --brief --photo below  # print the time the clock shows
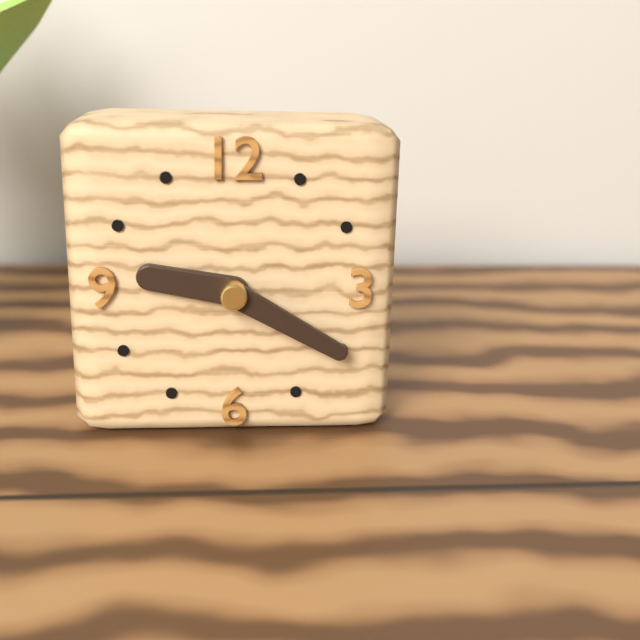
9.20
